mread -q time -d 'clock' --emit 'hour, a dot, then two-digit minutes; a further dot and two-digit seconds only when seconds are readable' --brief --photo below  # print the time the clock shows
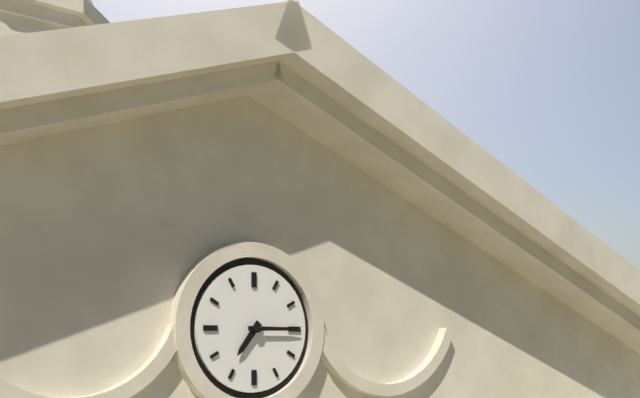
7.15
